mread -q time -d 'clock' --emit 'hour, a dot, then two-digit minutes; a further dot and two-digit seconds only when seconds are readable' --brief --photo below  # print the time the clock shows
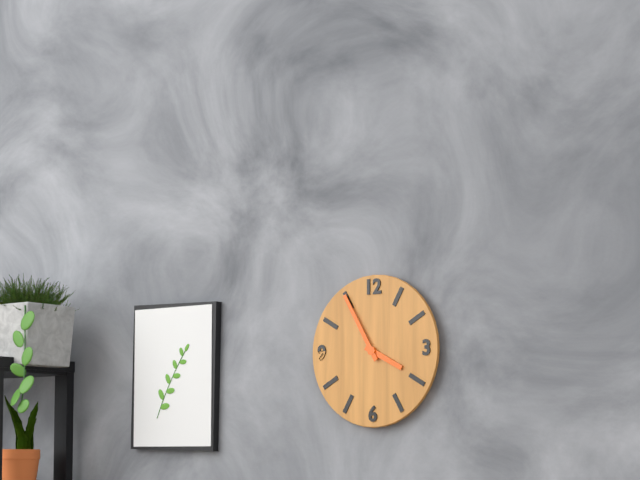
3.55
